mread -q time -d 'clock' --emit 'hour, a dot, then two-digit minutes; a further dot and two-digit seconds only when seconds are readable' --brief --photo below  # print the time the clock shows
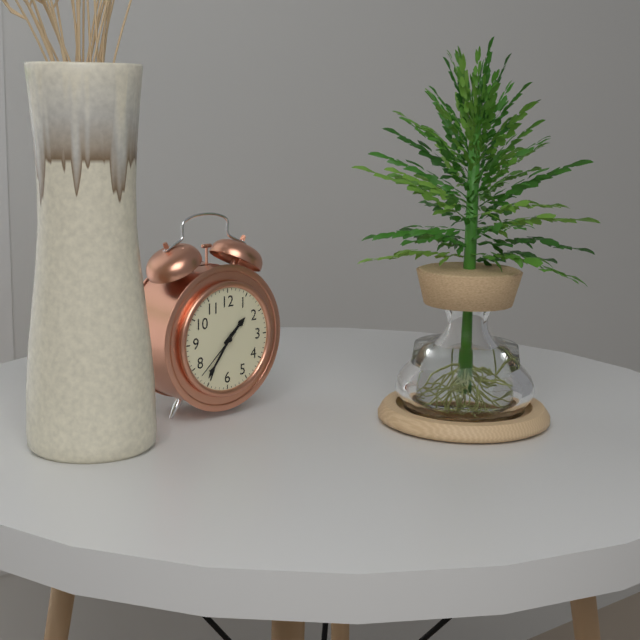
1.36.38
